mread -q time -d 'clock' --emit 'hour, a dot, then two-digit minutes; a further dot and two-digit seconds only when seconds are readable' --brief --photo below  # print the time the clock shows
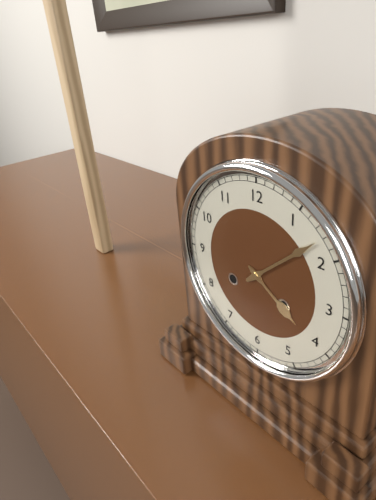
4.08
